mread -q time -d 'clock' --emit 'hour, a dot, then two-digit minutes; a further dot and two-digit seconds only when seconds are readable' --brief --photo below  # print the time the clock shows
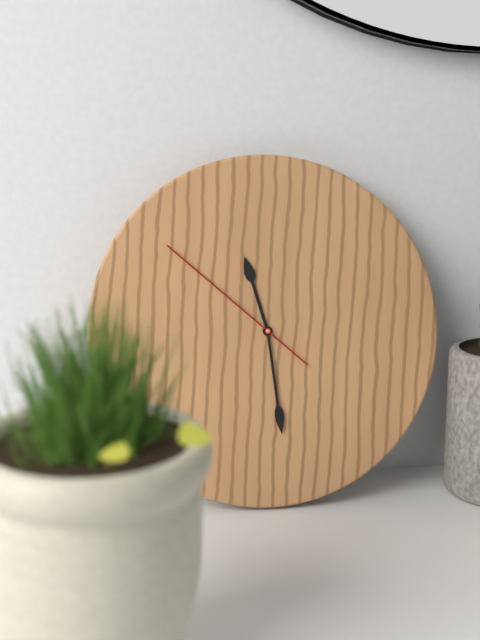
11.29.52
